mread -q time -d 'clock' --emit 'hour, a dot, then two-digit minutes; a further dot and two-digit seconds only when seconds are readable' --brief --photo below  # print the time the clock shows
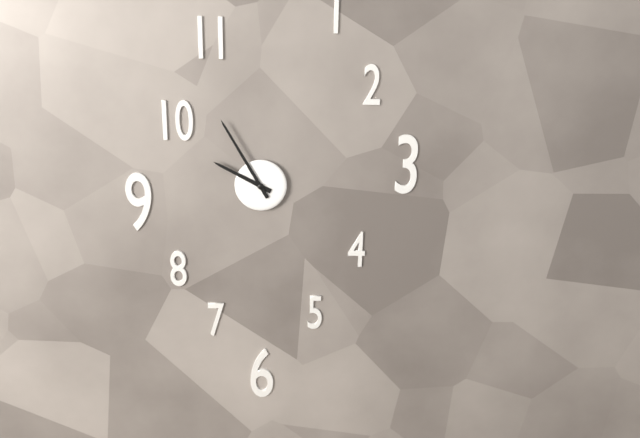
9.55
